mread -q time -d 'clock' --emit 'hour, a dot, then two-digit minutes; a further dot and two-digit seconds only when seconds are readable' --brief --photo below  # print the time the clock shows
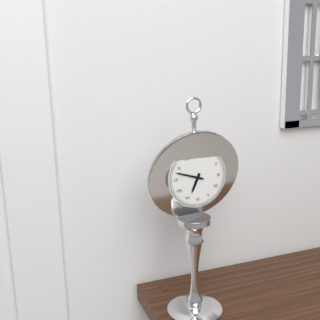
6.48
